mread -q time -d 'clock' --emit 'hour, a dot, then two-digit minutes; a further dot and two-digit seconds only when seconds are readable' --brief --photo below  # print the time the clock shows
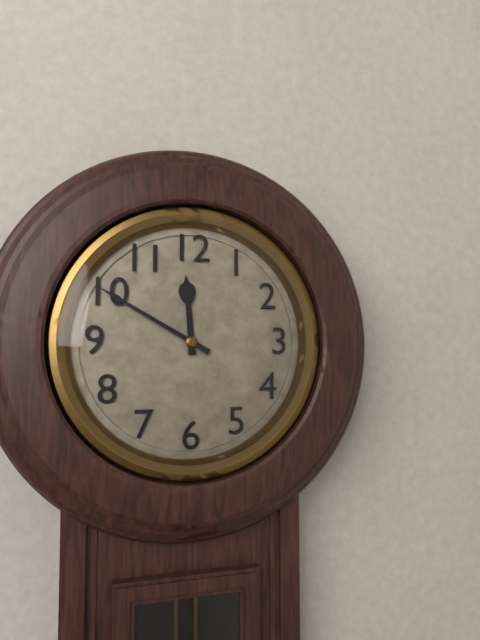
11.50
